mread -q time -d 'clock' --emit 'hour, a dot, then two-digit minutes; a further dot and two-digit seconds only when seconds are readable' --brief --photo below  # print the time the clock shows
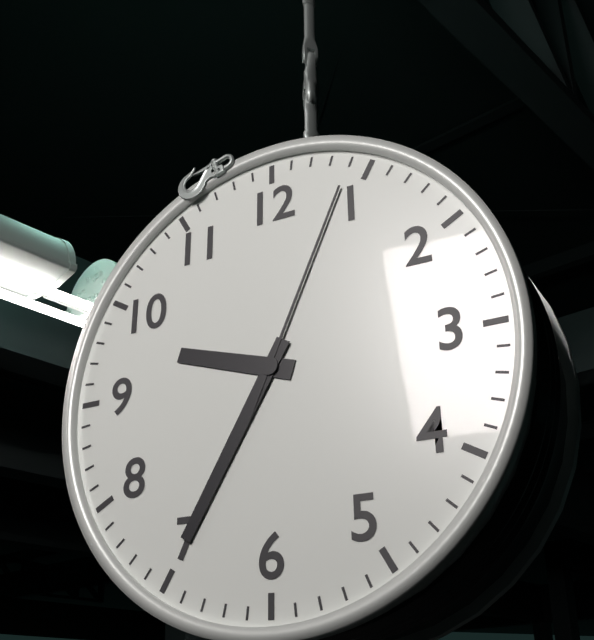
9.35.04
